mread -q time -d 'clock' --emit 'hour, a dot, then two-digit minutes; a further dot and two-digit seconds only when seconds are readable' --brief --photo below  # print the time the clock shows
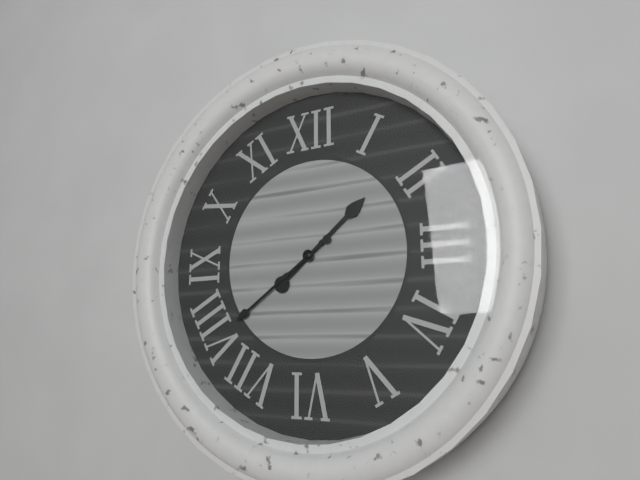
1.39
